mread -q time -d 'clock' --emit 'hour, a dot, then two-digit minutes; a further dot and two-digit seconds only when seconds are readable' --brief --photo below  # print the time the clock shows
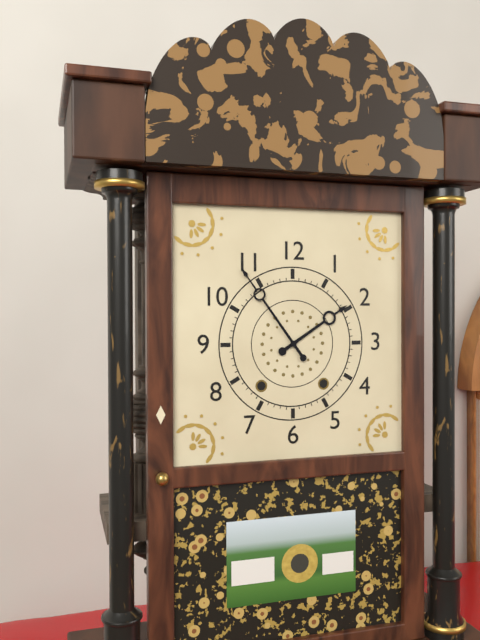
1.54
